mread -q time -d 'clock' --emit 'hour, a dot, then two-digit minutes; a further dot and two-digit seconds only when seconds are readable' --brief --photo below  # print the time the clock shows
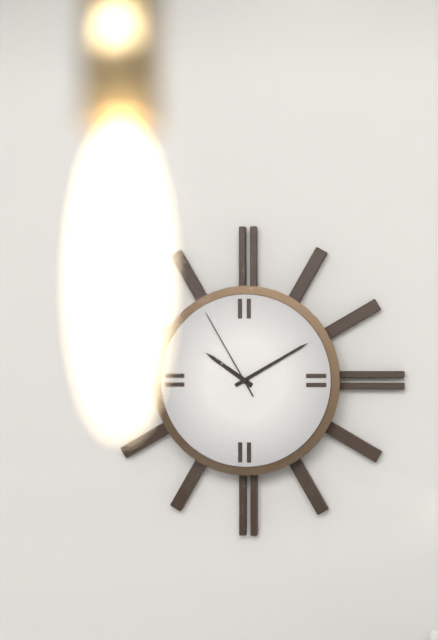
10.10.55
